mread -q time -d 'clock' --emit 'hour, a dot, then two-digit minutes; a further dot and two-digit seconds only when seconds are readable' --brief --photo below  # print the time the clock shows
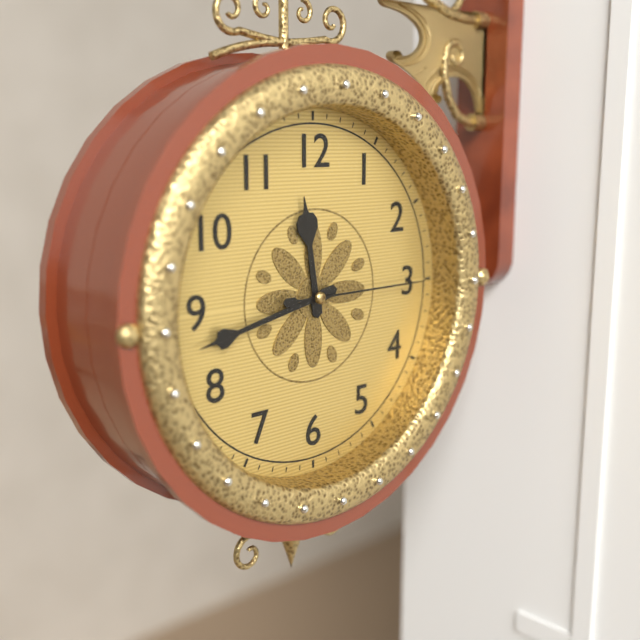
11.43.15
